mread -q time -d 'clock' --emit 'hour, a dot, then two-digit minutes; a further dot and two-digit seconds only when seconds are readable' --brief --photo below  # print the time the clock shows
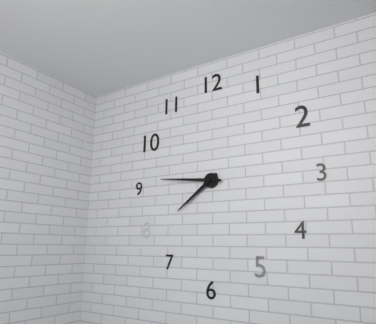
7.46
